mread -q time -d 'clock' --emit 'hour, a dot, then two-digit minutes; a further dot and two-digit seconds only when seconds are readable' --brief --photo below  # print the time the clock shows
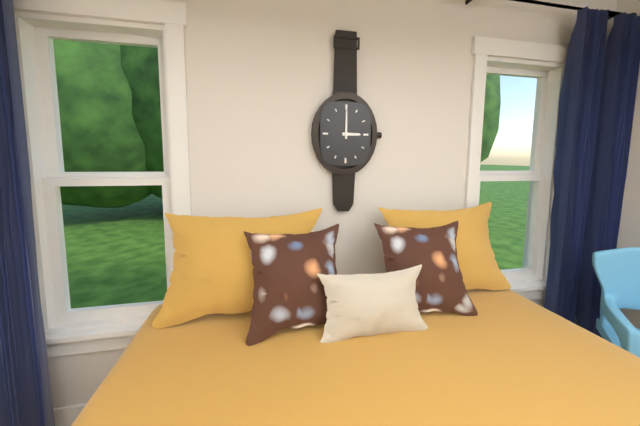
3.00
